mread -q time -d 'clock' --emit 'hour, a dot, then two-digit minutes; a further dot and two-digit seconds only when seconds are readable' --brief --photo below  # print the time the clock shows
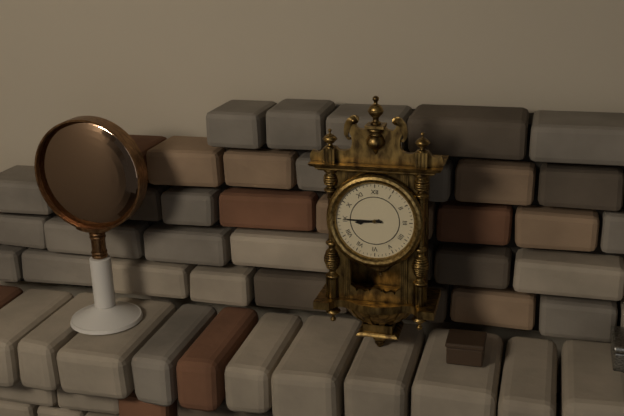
8.45
